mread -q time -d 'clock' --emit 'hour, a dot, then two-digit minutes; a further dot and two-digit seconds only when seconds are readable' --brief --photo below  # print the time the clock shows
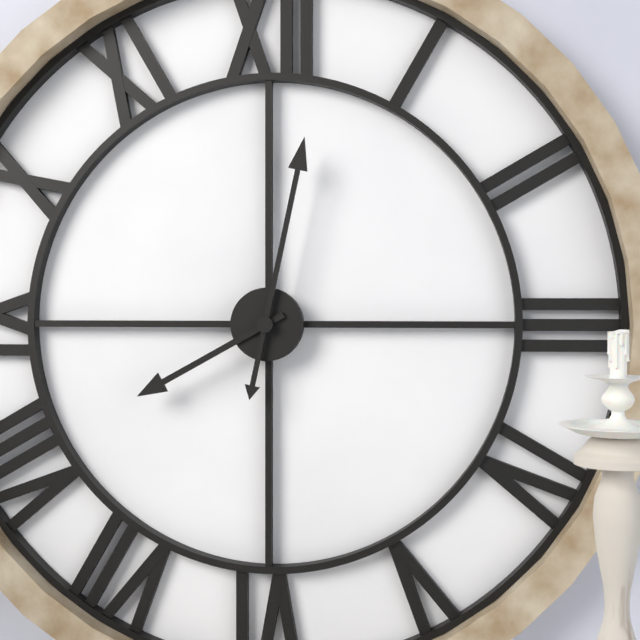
8.02
